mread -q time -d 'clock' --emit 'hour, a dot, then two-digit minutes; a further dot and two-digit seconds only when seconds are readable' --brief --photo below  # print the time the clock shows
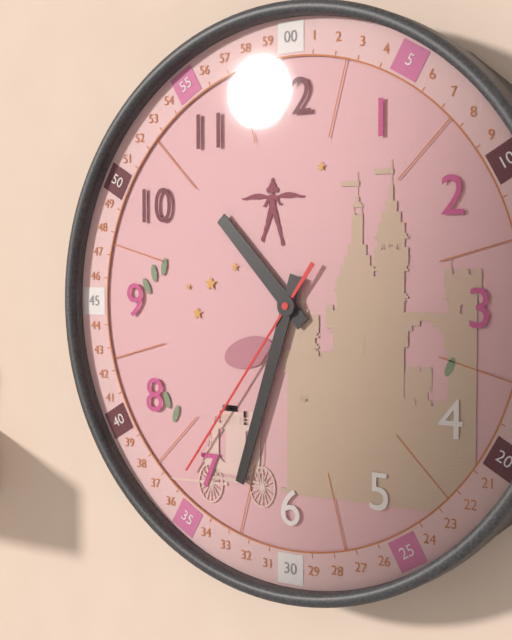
10.33.36
